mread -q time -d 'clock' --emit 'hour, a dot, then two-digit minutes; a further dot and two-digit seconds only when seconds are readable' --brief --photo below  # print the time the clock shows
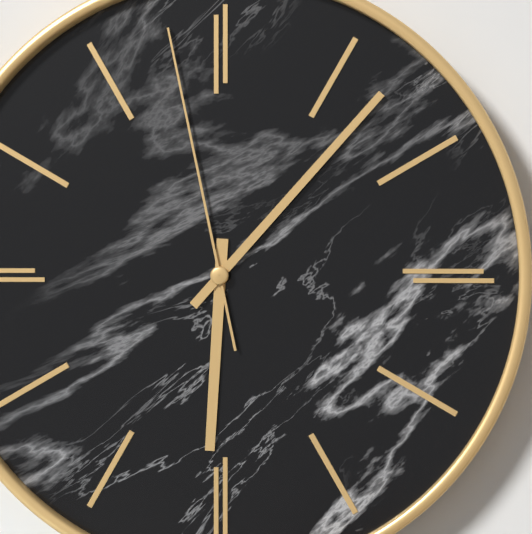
6.07.58
